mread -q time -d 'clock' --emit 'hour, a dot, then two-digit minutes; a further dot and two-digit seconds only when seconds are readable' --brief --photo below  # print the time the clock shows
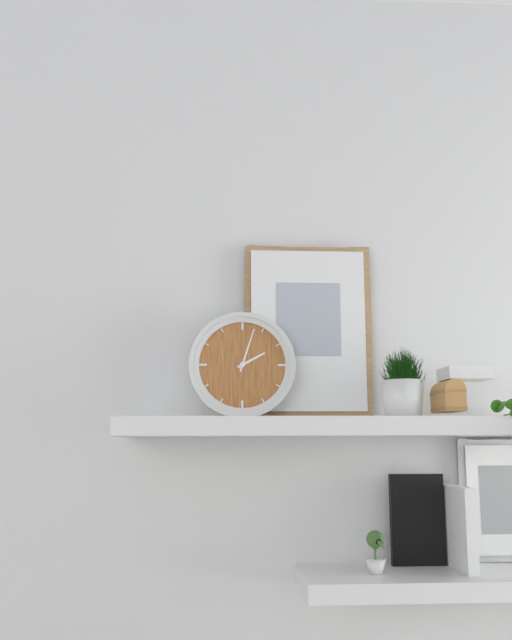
2.03
